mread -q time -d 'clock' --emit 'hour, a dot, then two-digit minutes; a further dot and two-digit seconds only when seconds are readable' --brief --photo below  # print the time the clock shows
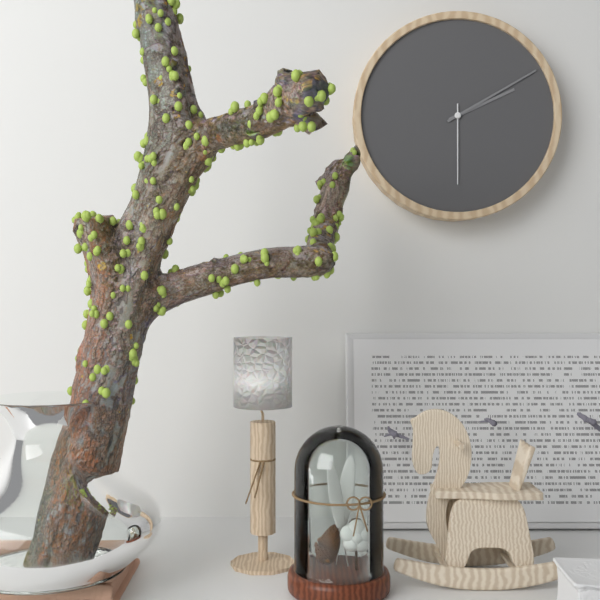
2.10.30
